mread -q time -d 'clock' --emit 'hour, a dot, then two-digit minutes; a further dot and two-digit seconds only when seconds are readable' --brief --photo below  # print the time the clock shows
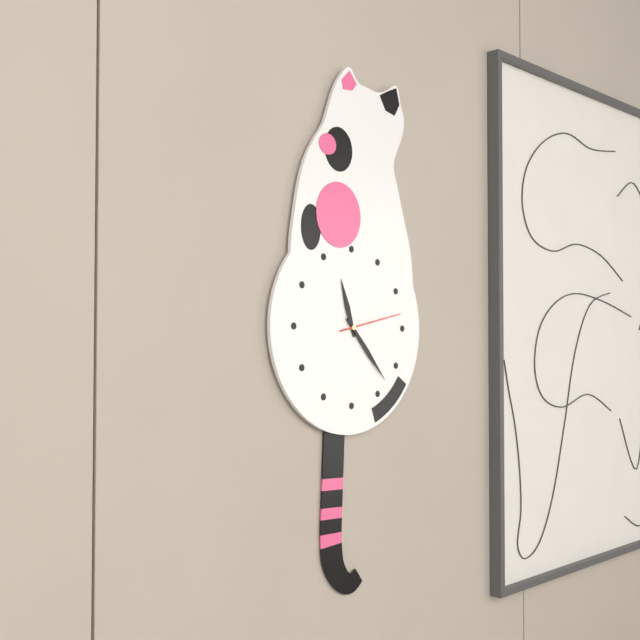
11.23.13
